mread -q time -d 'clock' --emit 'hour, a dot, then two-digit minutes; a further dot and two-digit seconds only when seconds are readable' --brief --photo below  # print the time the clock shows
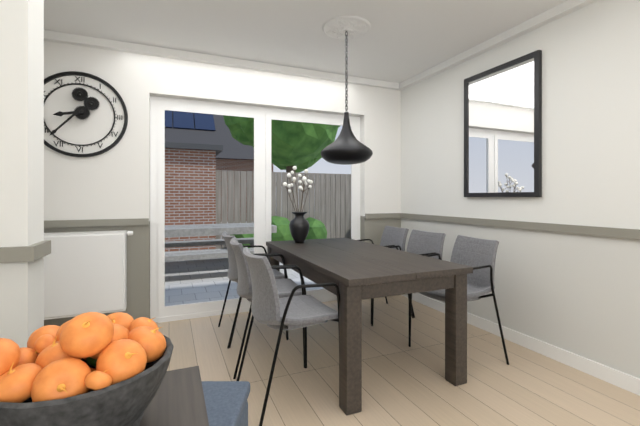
8.37
